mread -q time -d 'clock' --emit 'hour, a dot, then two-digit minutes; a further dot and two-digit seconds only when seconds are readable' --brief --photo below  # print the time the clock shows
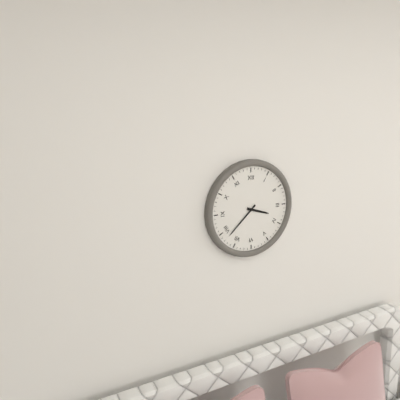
3.38
